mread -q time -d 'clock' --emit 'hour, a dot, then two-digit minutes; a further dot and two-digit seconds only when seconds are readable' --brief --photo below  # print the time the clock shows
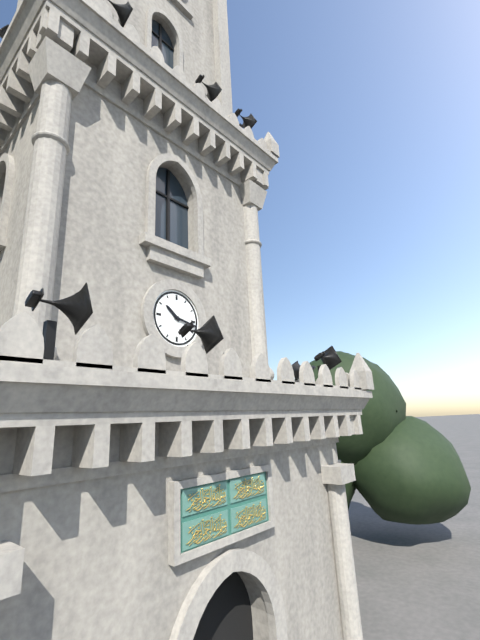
10.17
